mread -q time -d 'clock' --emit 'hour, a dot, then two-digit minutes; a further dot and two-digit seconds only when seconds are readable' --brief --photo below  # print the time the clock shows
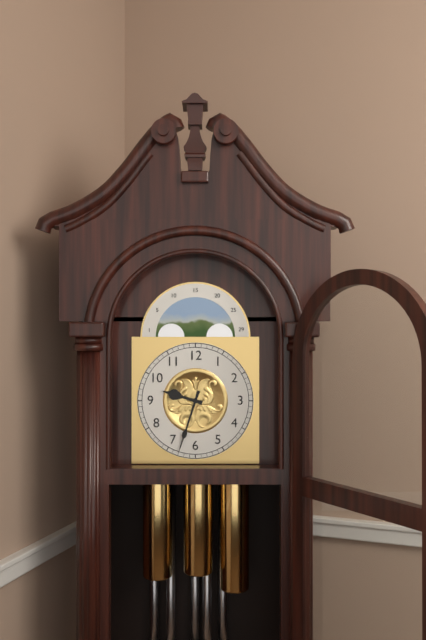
9.33
